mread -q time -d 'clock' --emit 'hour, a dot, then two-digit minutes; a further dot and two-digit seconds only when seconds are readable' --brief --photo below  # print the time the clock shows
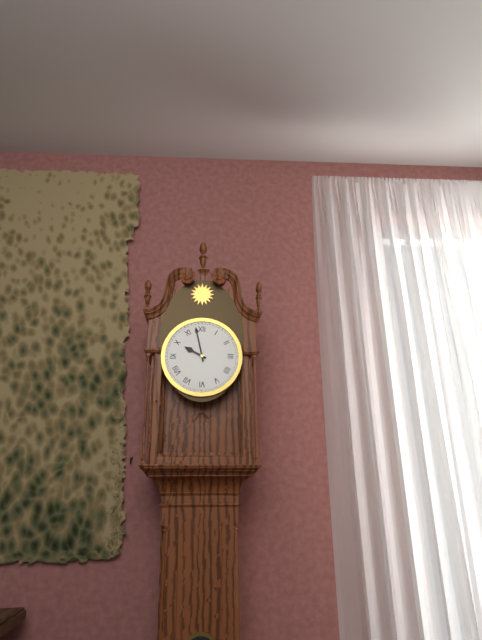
9.58
